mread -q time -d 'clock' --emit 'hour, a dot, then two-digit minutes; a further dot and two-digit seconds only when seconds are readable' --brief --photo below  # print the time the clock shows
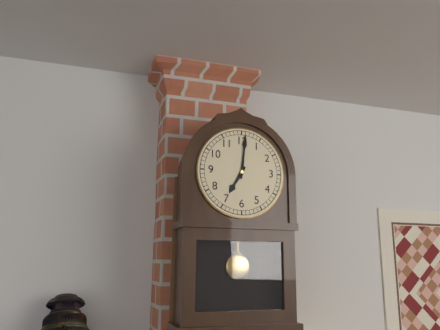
7.01
